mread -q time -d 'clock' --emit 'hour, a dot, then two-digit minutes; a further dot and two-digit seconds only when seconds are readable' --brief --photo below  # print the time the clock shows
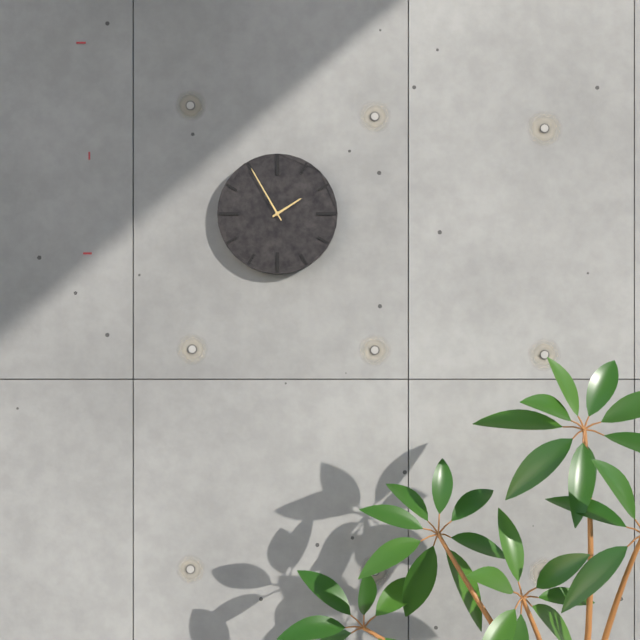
1.55
